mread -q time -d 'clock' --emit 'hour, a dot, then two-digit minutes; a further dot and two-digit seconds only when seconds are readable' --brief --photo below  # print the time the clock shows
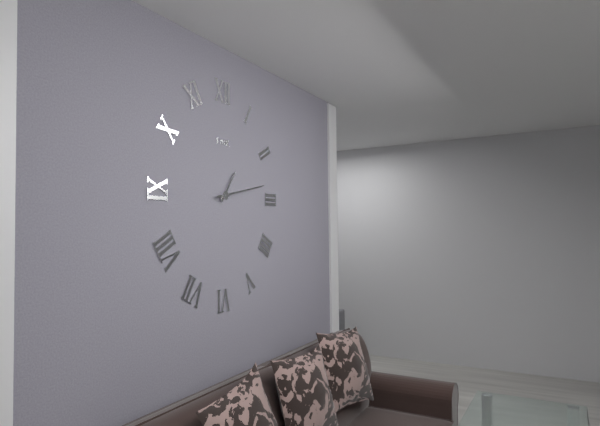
1.13
